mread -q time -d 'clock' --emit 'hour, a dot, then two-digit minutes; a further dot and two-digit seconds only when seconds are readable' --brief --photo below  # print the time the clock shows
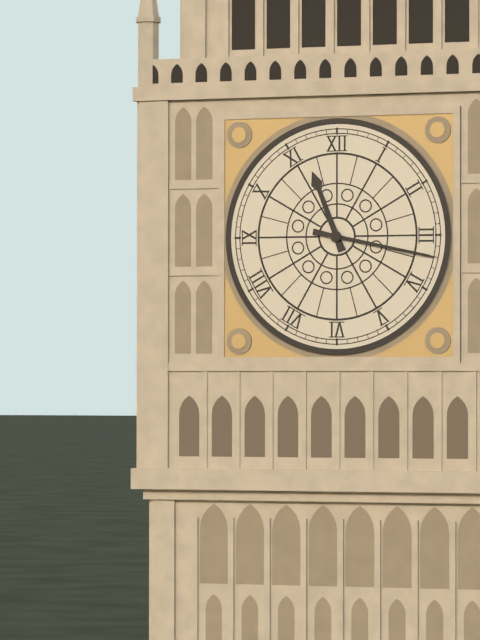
11.17
